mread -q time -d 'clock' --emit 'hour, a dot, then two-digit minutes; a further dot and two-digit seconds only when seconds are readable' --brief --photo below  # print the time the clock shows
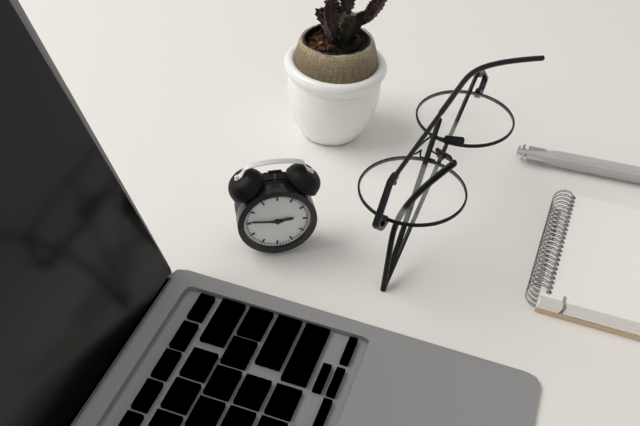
2.46
